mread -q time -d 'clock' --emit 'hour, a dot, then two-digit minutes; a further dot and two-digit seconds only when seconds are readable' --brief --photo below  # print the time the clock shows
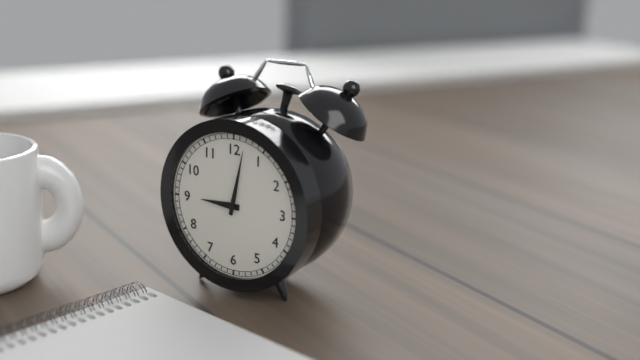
9.02
